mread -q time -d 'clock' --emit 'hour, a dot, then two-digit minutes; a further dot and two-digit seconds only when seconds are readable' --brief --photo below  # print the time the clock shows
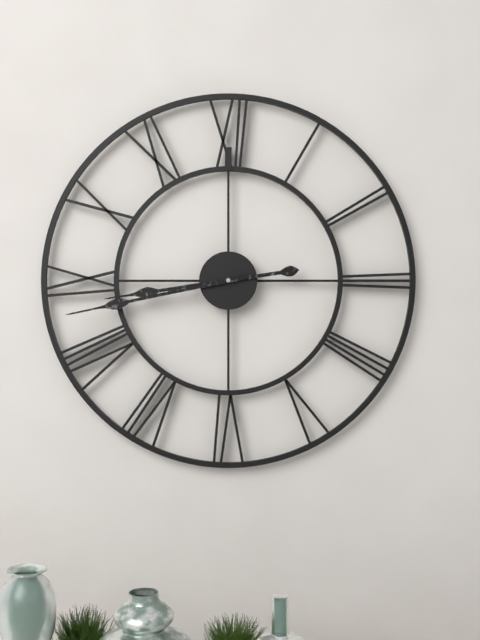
8.43
